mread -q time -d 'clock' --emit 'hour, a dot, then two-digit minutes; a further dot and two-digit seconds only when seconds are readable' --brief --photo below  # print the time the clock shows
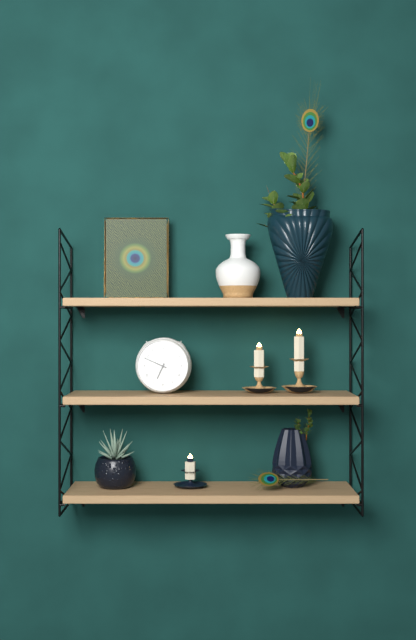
6.49
